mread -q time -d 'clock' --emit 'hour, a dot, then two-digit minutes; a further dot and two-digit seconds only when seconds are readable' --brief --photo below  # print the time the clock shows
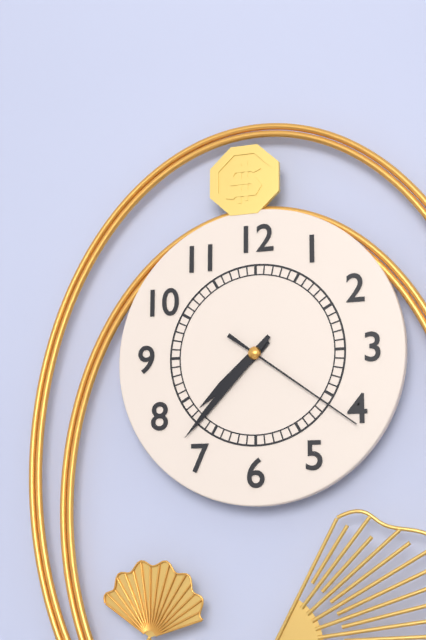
7.37.21
